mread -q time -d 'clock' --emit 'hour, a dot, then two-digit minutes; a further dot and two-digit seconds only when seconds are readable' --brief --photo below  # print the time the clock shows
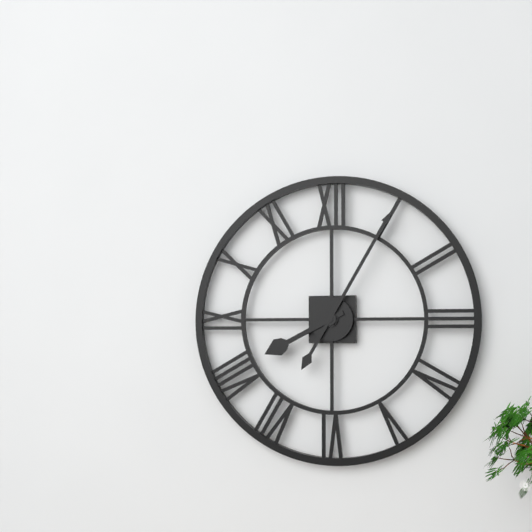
8.05
